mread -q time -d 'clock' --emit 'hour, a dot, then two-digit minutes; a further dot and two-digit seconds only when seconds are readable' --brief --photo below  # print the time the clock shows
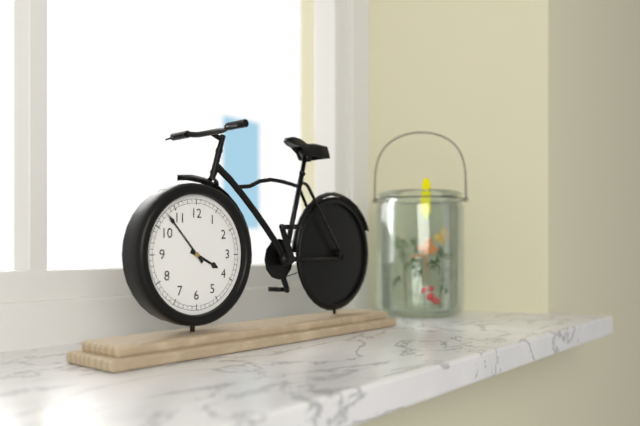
3.53
